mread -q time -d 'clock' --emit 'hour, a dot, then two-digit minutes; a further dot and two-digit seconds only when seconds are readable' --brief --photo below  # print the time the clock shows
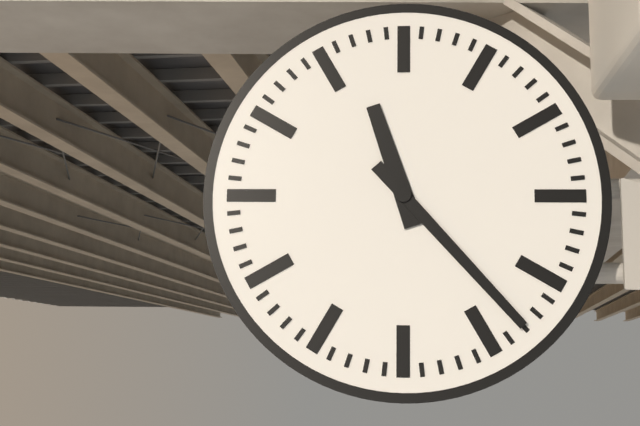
11.23
